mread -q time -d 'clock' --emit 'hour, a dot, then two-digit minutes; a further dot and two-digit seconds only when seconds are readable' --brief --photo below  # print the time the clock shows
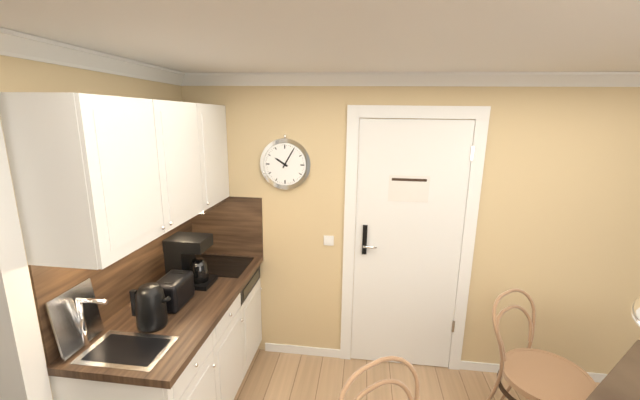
10.05
